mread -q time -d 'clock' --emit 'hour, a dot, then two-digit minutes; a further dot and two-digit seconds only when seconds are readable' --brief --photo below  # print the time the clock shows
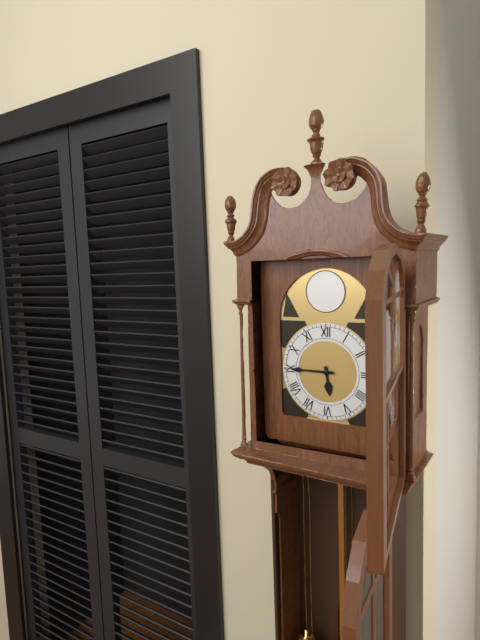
5.45
